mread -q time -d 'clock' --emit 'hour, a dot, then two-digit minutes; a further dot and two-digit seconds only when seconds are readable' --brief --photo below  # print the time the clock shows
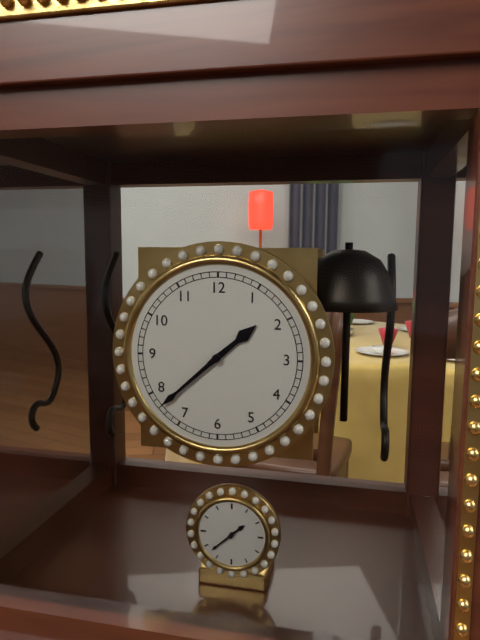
1.38
